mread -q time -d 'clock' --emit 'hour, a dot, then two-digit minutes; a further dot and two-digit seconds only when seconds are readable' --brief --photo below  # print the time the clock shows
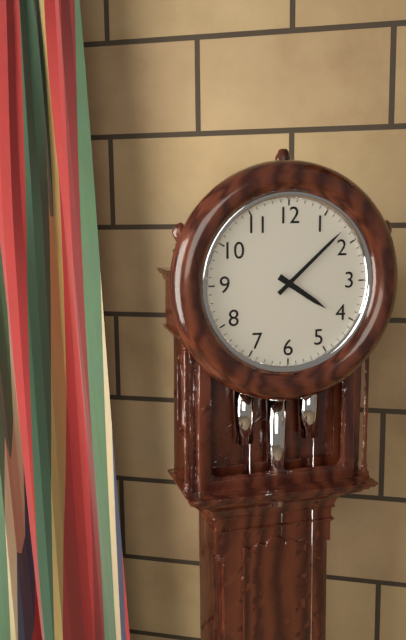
4.08
